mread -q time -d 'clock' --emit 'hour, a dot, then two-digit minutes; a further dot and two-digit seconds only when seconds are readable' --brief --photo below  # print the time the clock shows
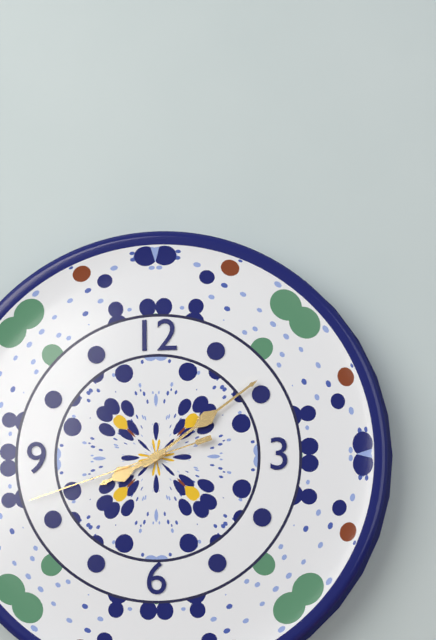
8.09.42
